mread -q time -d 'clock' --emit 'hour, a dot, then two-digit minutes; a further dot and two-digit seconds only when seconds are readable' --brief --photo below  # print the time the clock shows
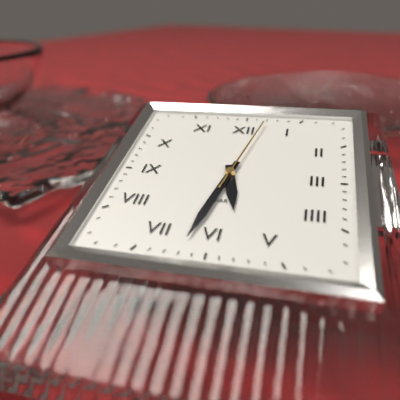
5.32.02
